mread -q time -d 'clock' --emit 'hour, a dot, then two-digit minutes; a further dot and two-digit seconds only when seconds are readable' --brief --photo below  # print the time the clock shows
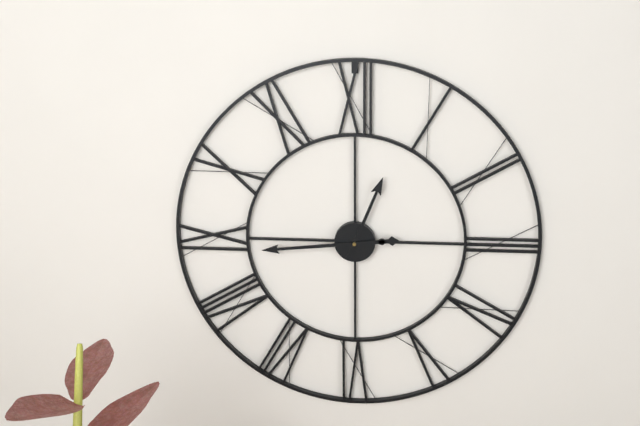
12.44
